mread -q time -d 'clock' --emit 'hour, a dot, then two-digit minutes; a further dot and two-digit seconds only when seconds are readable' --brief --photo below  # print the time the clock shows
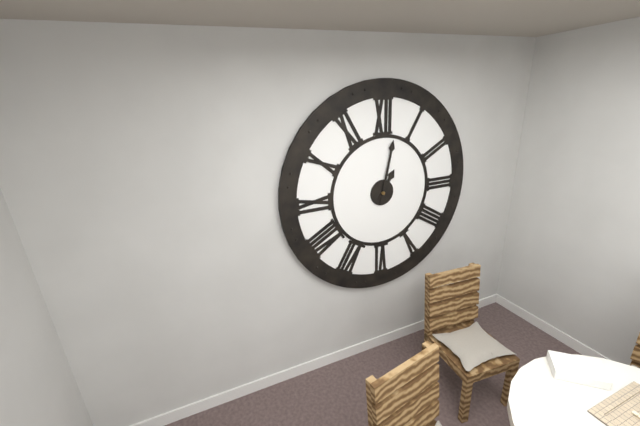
1.02
